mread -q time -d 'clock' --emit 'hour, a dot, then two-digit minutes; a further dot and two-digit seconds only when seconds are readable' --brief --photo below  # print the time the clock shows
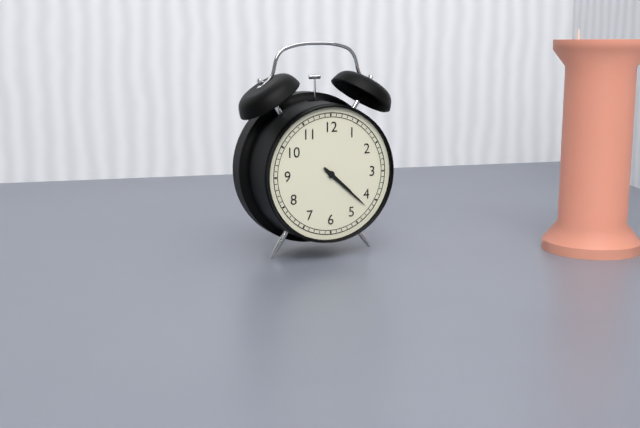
4.22
